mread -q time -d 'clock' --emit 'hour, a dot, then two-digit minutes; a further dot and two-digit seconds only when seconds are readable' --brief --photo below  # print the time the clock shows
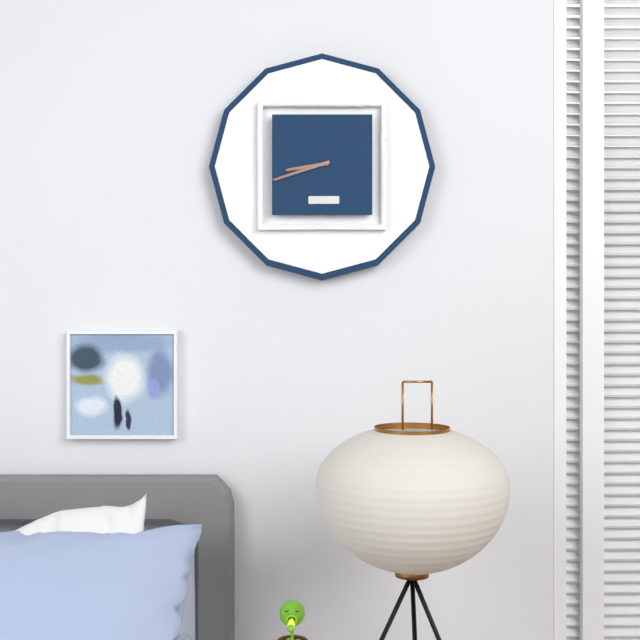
8.42
